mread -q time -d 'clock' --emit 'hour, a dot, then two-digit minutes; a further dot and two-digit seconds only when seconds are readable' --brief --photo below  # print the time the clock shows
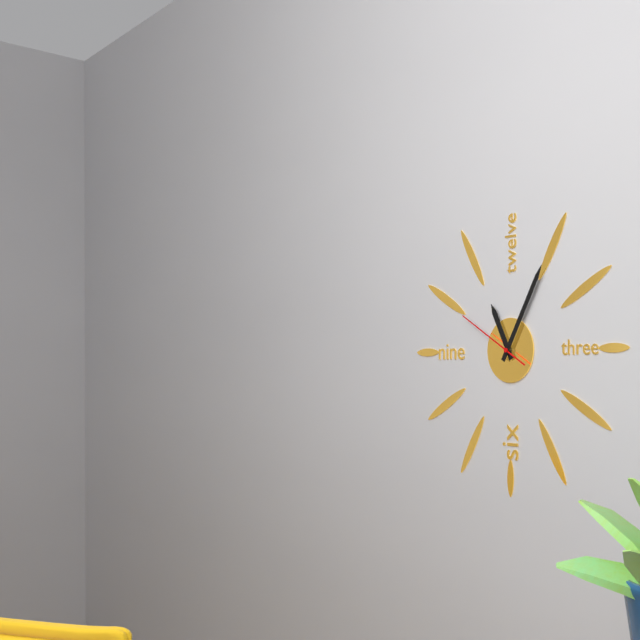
11.05.50
